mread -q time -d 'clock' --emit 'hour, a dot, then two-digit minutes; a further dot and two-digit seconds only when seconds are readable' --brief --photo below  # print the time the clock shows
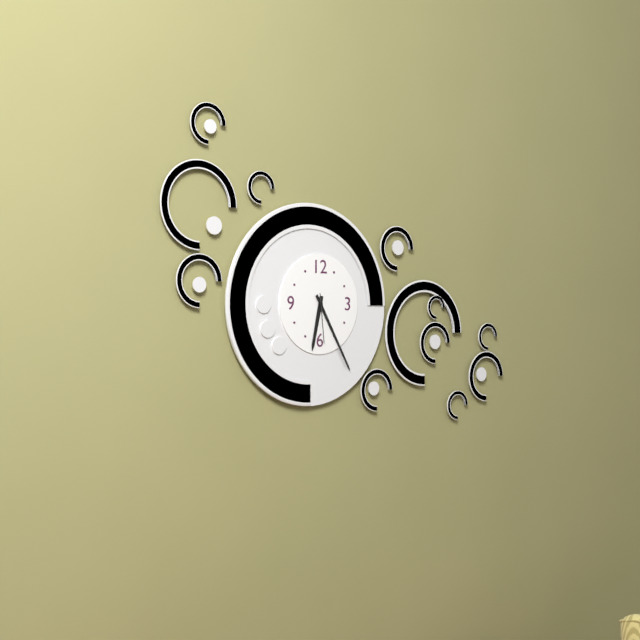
6.25.29
